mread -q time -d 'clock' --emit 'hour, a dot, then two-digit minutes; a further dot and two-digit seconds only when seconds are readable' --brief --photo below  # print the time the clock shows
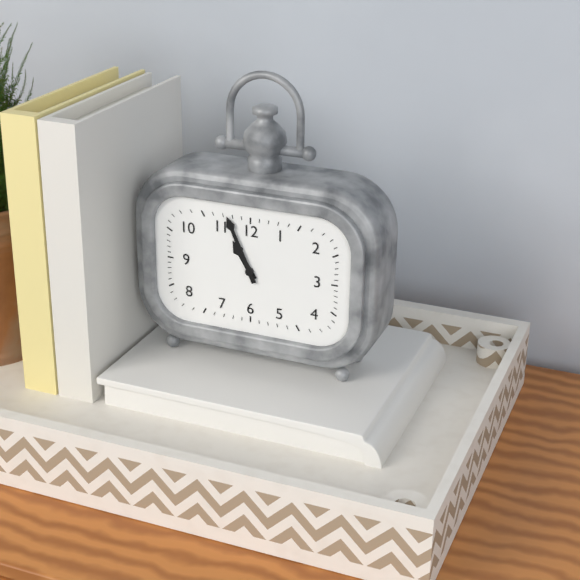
10.56
